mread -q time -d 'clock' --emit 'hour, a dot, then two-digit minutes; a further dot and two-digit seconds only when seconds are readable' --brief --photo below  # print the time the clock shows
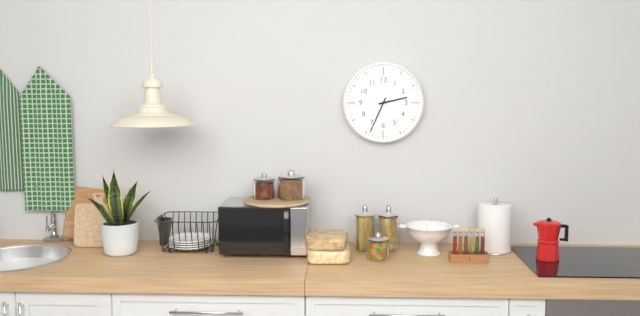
2.34
